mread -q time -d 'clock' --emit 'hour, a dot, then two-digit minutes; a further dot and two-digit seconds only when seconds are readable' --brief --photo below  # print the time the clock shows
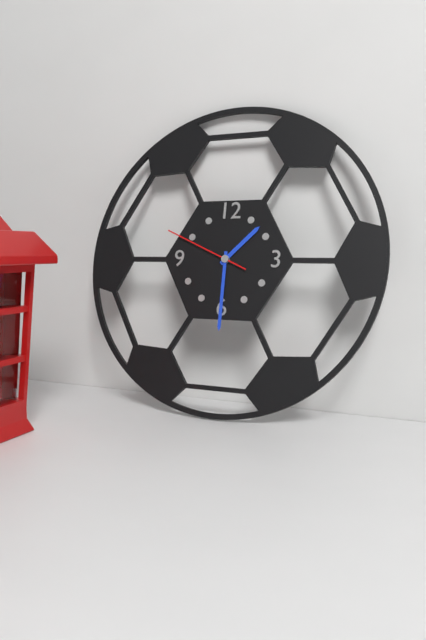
1.30.49
